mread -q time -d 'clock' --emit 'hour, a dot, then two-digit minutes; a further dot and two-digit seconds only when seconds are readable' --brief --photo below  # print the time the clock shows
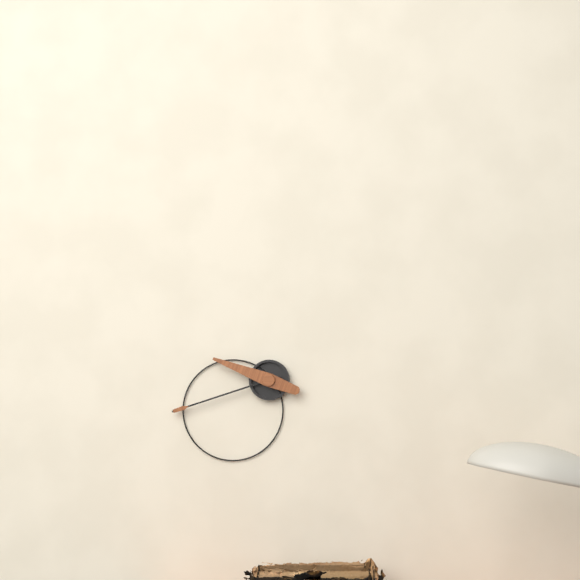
9.42
